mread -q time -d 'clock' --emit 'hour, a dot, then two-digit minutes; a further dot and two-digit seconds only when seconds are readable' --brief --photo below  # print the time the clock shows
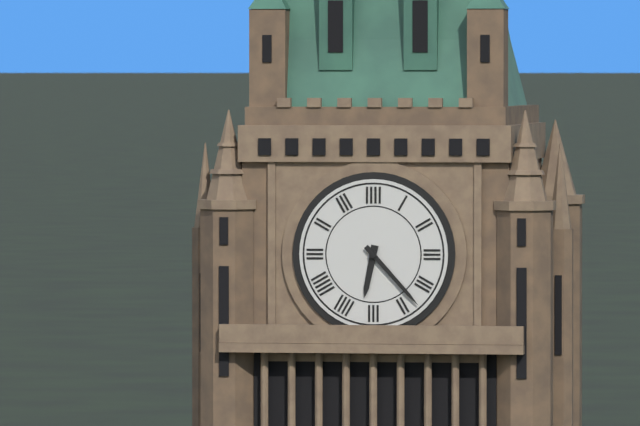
6.23
